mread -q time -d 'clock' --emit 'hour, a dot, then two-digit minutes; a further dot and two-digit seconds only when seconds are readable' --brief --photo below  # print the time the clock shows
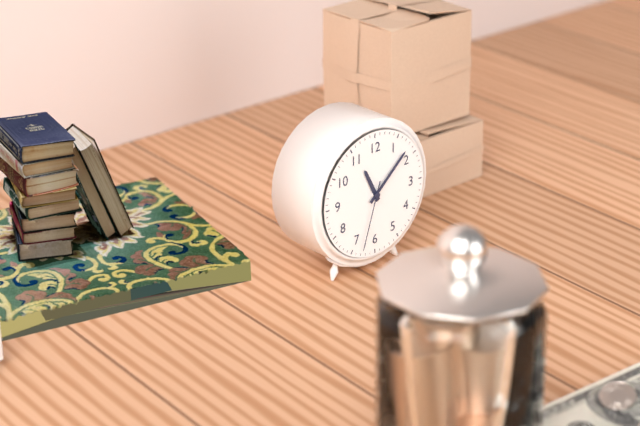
11.08.33
